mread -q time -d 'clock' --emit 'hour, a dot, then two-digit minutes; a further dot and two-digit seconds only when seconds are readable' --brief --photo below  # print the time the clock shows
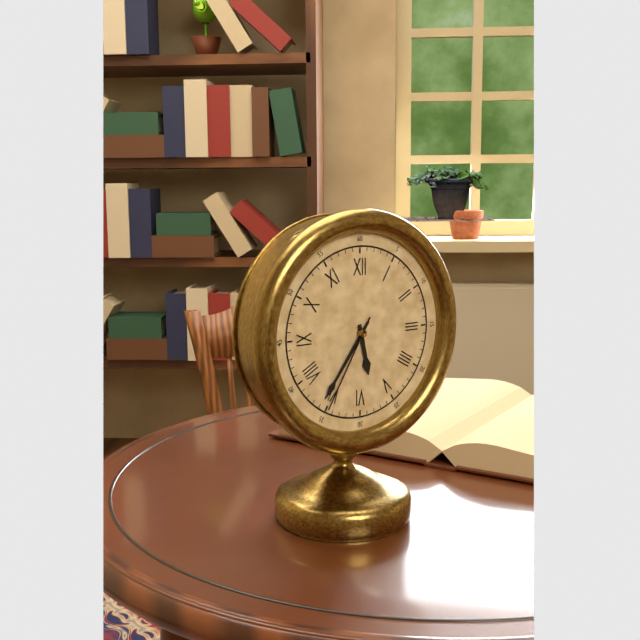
5.36.35
